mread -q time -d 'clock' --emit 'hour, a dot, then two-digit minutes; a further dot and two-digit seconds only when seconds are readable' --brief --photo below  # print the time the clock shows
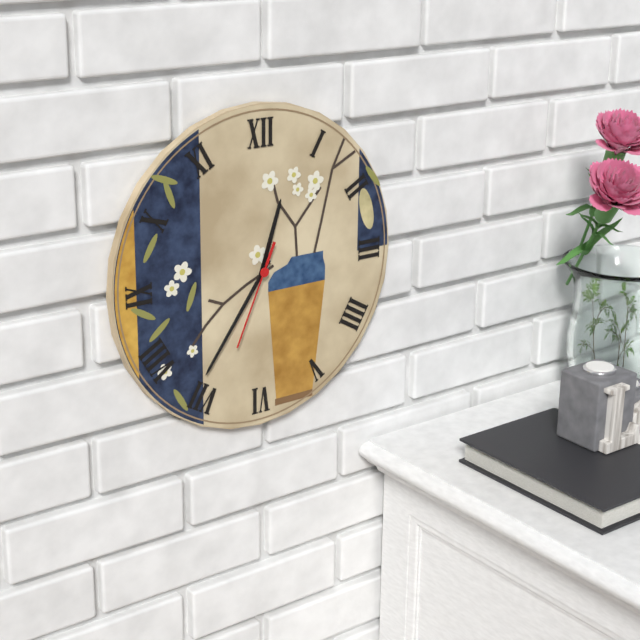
12.36.34
